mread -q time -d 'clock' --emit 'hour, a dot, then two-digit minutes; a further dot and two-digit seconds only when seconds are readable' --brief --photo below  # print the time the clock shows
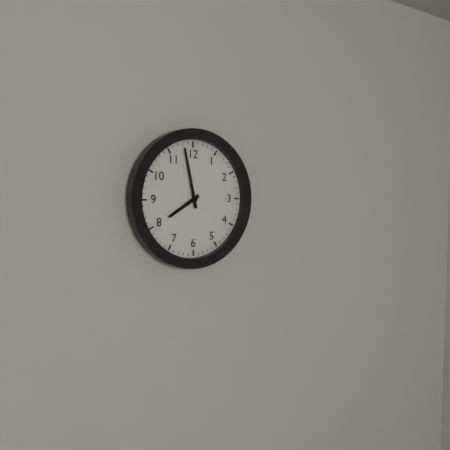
7.58
